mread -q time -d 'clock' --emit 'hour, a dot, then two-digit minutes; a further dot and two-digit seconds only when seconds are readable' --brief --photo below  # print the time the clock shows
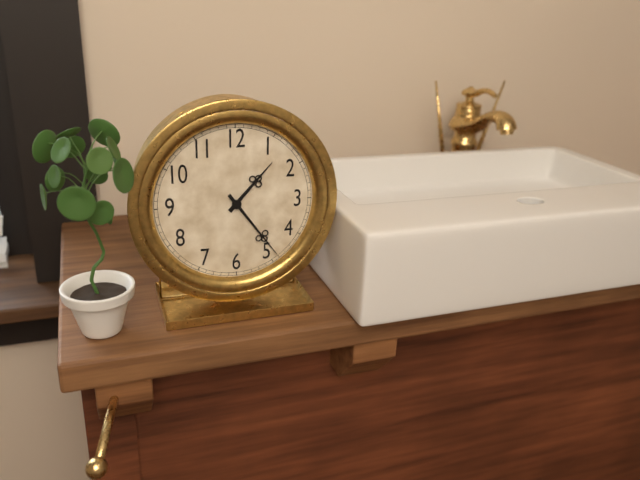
1.24
